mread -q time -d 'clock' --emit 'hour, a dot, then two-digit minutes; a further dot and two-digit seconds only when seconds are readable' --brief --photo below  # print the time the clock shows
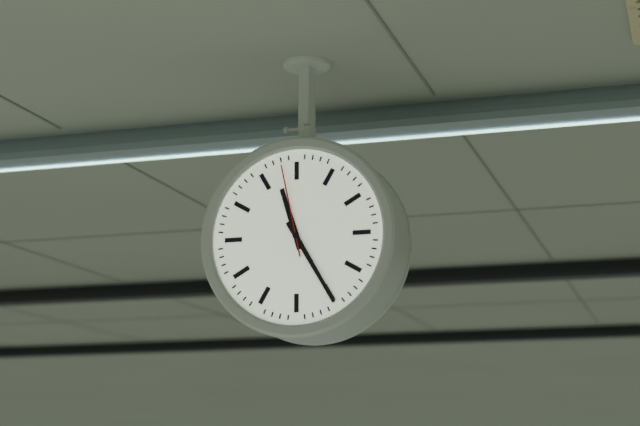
11.25.58
